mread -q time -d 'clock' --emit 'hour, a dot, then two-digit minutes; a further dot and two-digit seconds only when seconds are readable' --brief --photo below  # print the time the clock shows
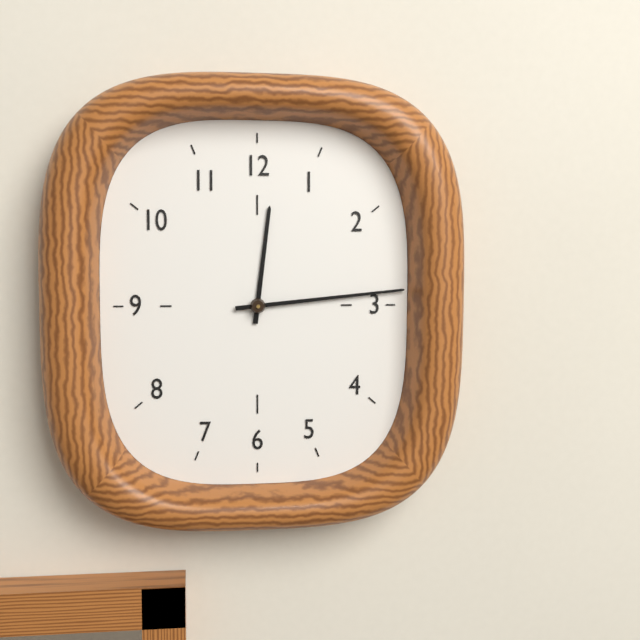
12.14
